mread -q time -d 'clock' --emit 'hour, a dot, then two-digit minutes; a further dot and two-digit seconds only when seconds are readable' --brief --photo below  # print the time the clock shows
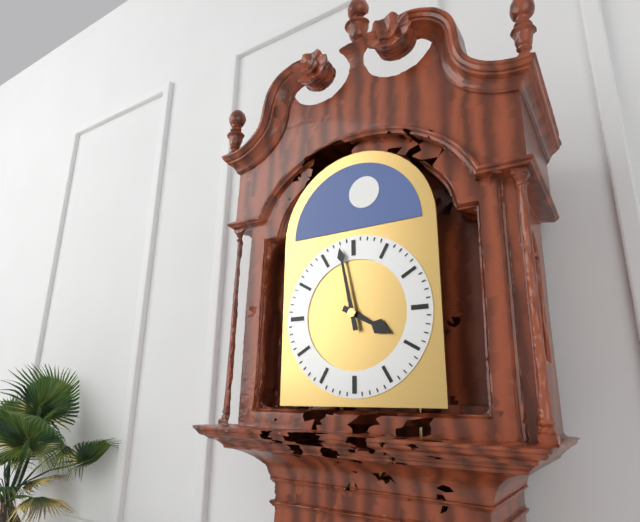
3.58
